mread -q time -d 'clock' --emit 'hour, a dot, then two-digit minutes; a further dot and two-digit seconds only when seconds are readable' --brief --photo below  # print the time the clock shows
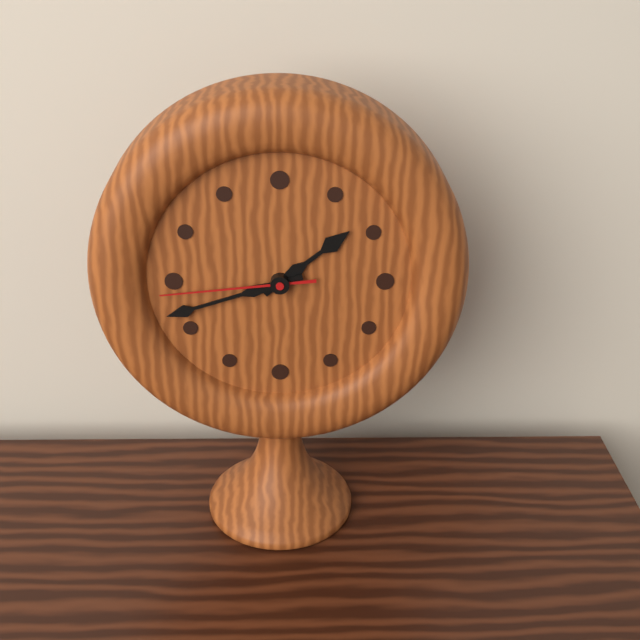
1.42.44
